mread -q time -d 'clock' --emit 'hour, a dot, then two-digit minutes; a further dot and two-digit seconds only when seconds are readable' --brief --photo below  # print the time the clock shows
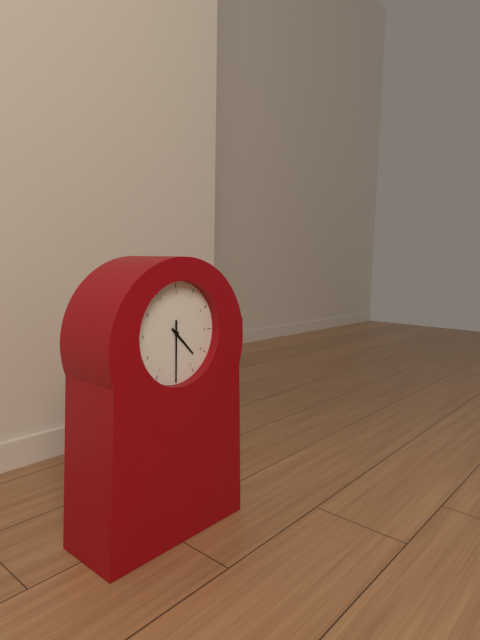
4.30
